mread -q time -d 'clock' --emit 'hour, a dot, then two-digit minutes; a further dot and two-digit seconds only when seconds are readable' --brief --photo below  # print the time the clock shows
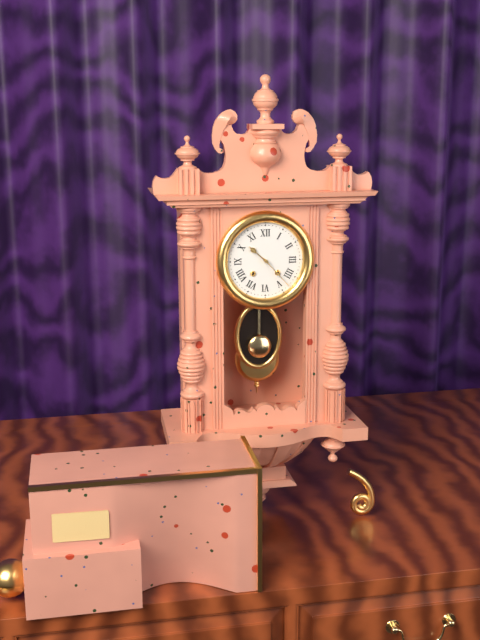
10.23
